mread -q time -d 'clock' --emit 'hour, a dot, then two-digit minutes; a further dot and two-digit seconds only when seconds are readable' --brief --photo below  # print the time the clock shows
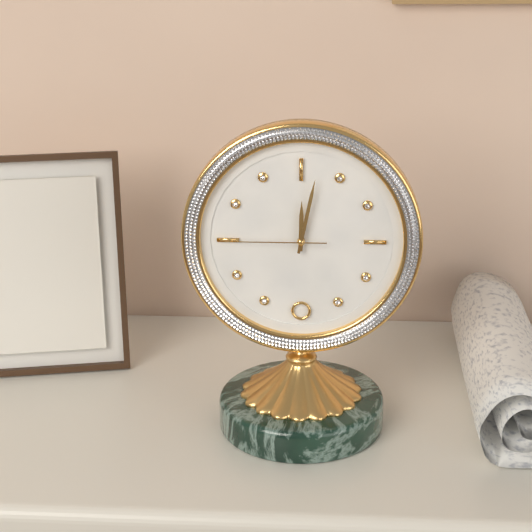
12.02.45
